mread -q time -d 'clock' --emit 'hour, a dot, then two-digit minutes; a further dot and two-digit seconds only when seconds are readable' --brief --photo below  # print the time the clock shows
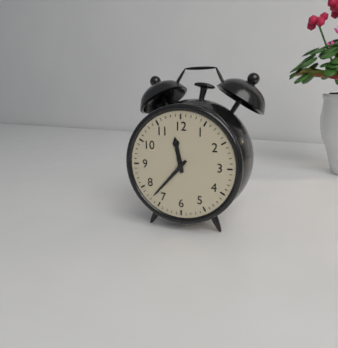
11.37
